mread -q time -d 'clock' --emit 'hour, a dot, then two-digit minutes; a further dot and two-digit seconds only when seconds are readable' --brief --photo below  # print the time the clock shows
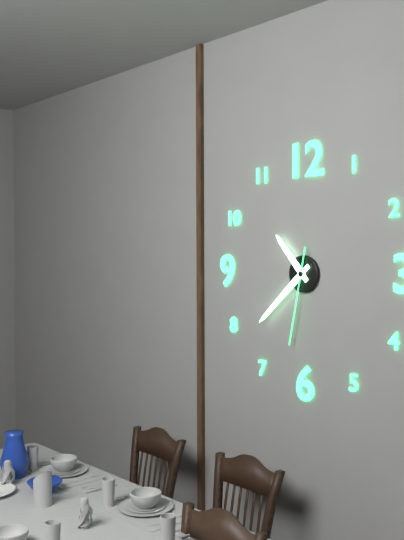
10.38.32
